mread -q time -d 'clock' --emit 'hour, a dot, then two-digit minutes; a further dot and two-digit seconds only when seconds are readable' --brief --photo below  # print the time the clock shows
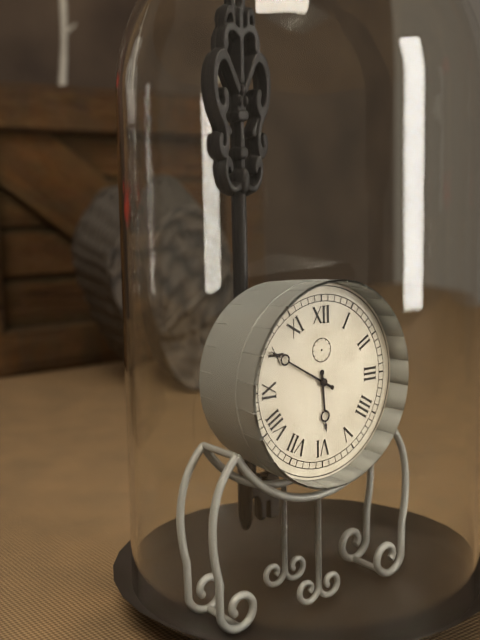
5.50
